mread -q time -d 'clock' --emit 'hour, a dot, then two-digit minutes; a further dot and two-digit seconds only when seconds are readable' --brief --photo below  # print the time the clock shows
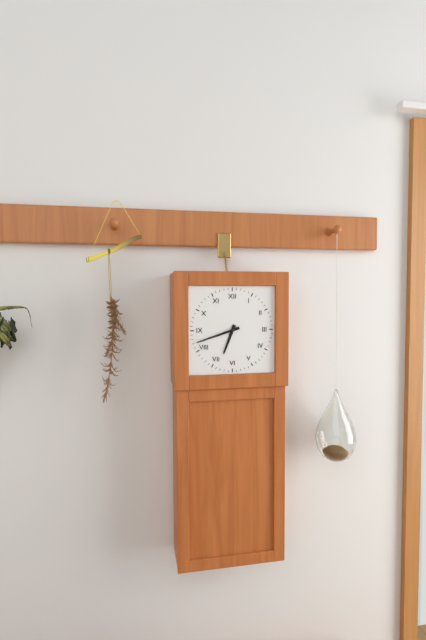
6.42
